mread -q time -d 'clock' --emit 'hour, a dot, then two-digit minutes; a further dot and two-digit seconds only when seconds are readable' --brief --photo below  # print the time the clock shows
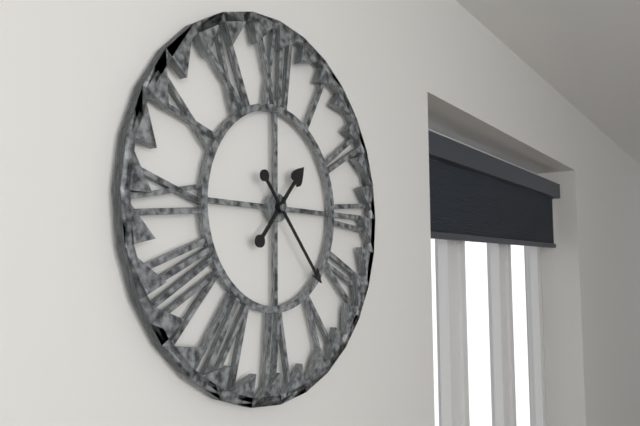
1.23
